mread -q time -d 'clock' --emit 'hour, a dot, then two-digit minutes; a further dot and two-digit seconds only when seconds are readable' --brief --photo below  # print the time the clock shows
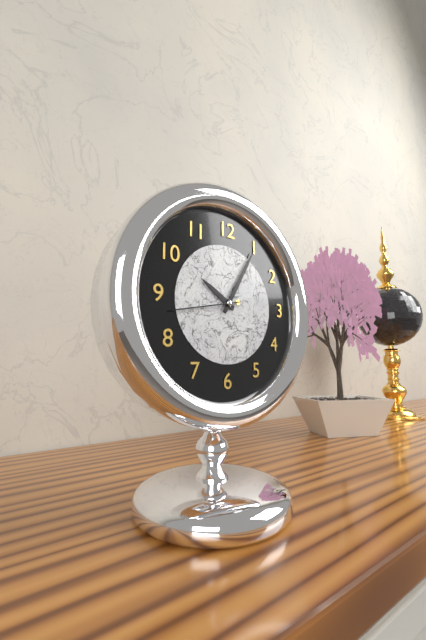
10.05.43
